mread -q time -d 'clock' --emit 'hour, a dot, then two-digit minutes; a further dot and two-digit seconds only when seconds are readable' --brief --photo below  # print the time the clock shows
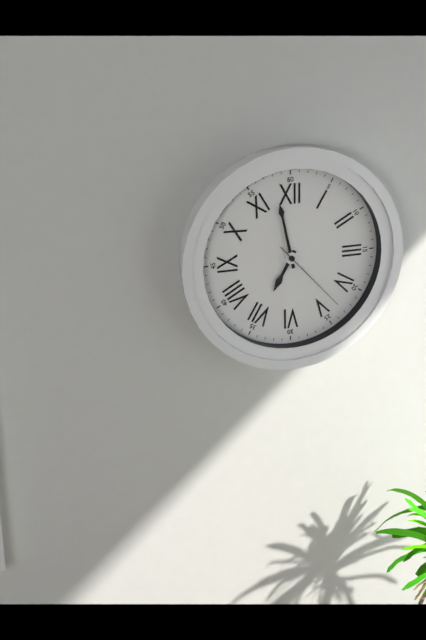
6.58.23
